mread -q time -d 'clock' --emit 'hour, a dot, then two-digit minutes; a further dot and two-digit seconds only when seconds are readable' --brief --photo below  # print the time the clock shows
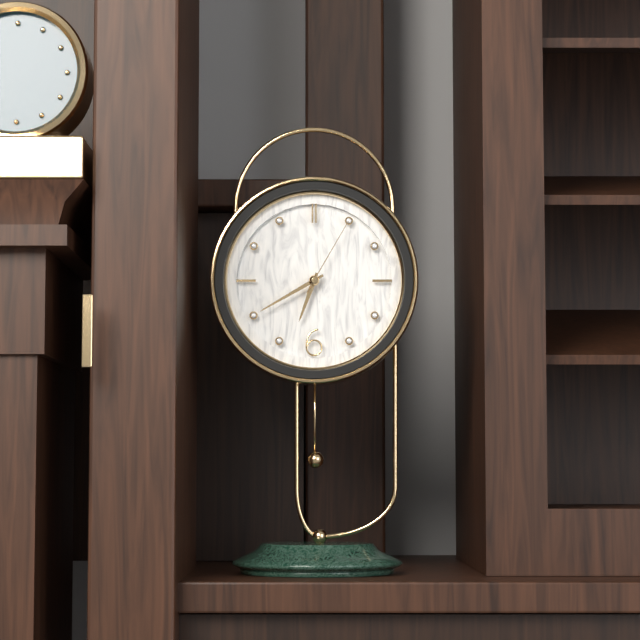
6.40.05
